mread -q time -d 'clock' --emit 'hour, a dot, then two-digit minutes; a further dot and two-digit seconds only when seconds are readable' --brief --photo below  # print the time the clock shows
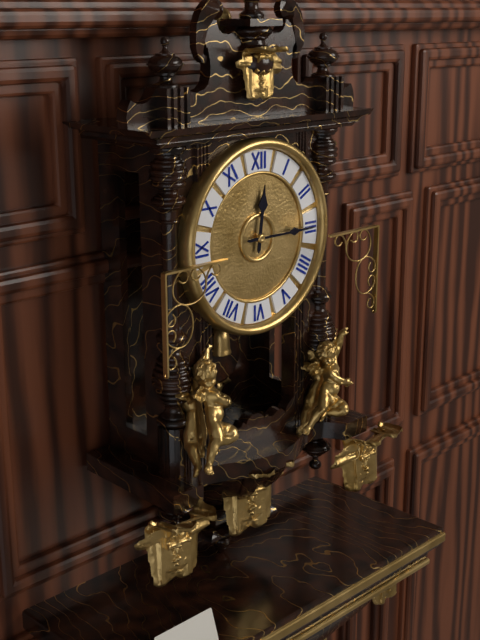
12.15
